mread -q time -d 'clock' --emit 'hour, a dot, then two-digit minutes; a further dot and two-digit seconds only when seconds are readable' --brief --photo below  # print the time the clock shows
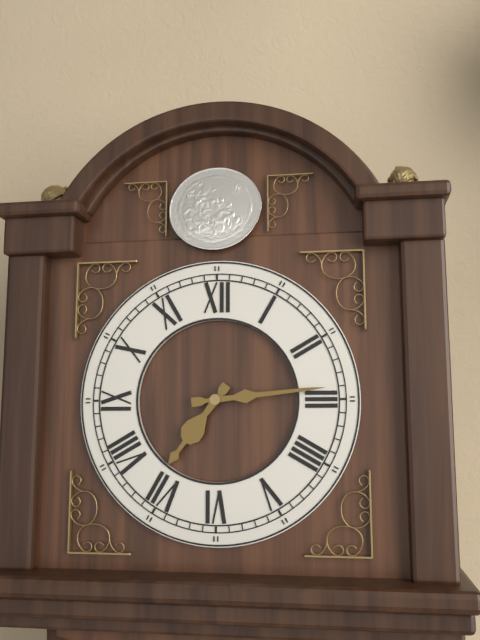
7.14
